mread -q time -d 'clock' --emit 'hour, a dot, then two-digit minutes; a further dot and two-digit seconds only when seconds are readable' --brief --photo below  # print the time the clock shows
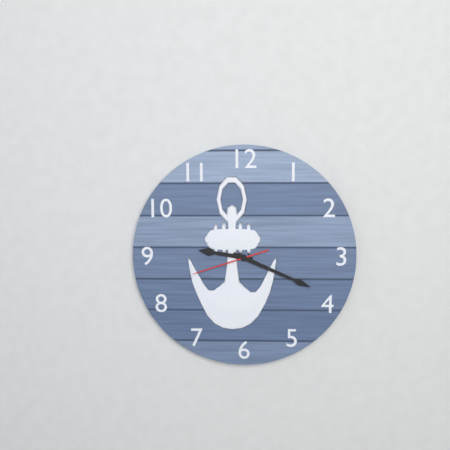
9.19.42
